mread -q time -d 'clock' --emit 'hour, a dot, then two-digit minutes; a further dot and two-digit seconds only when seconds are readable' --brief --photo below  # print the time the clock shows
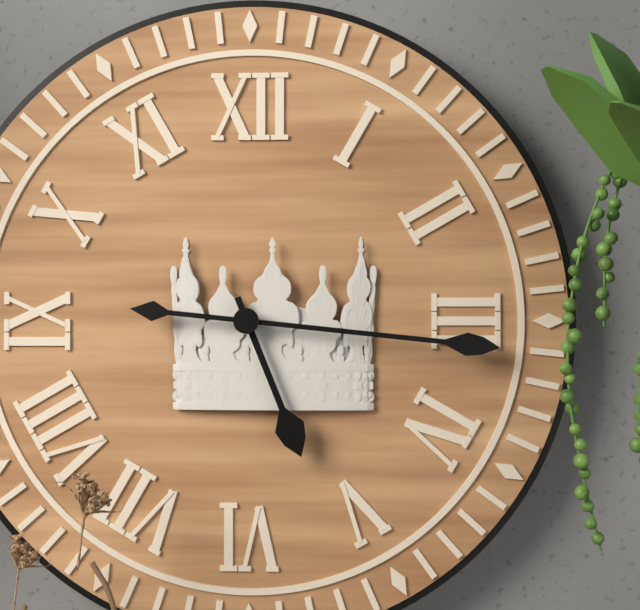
5.16
